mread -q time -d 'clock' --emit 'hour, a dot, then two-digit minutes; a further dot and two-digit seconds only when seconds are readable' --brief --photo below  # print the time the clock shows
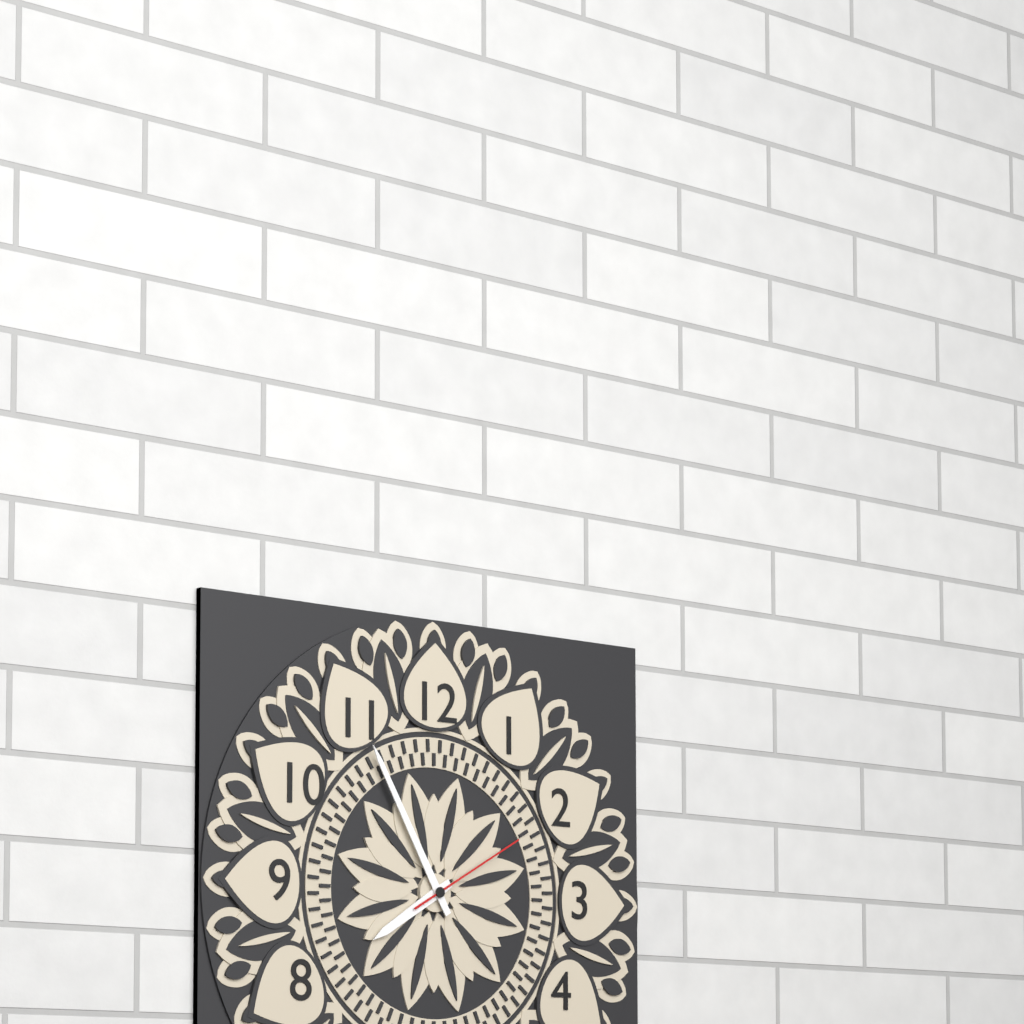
7.55.10
